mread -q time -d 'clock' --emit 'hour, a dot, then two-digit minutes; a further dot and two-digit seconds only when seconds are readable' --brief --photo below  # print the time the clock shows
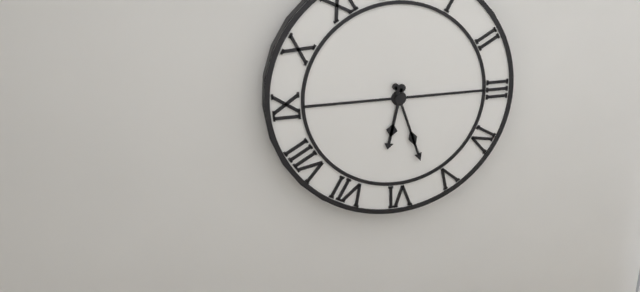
6.27
